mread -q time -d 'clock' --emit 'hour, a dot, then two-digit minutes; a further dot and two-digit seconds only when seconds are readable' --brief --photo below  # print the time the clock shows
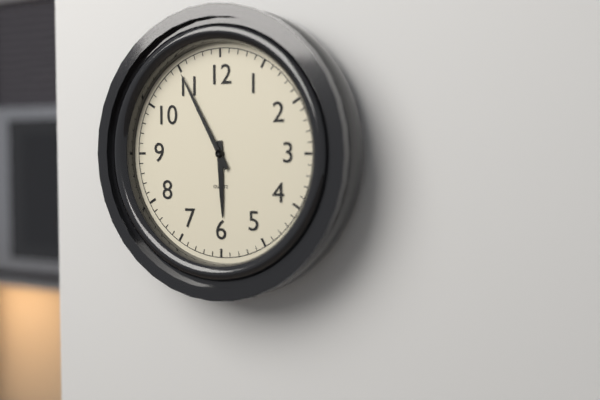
5.55
